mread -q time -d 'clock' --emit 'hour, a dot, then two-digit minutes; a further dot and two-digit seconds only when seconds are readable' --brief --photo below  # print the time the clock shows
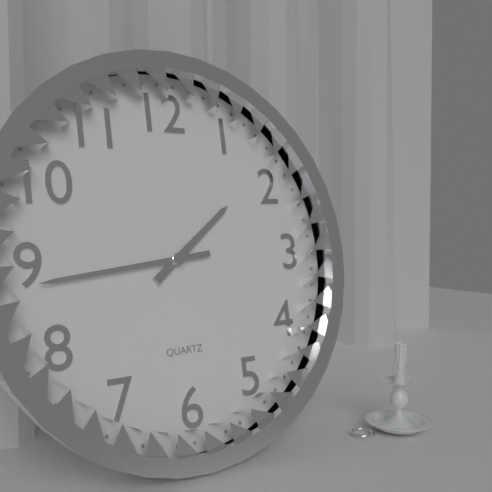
1.44
